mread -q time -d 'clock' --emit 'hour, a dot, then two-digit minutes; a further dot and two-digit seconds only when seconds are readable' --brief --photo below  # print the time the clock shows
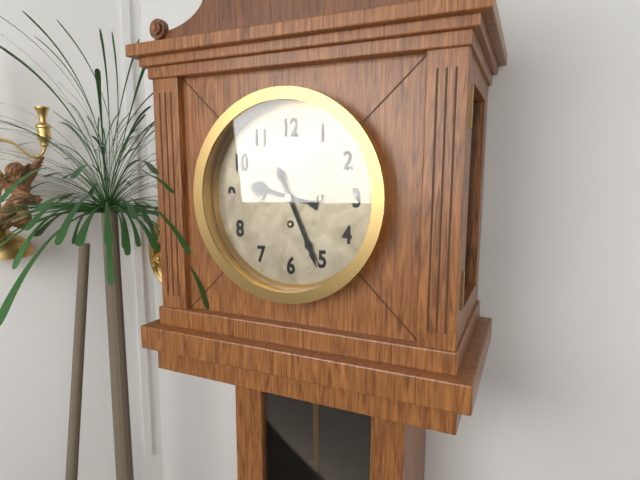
9.26
